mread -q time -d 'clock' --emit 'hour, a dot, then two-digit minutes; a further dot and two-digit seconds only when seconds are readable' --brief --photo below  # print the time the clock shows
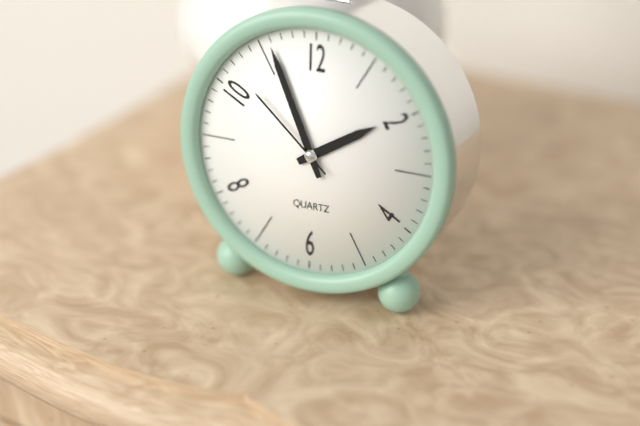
1.56.52
